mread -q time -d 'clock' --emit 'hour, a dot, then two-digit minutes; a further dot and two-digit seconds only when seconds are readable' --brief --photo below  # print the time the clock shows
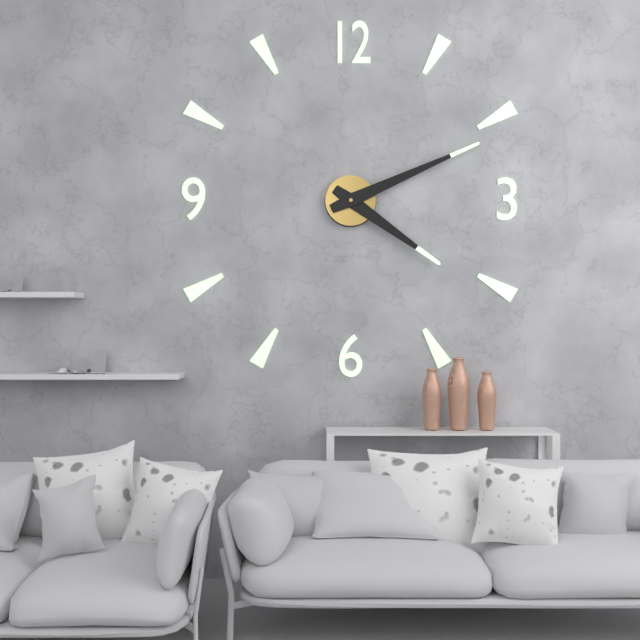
4.11
